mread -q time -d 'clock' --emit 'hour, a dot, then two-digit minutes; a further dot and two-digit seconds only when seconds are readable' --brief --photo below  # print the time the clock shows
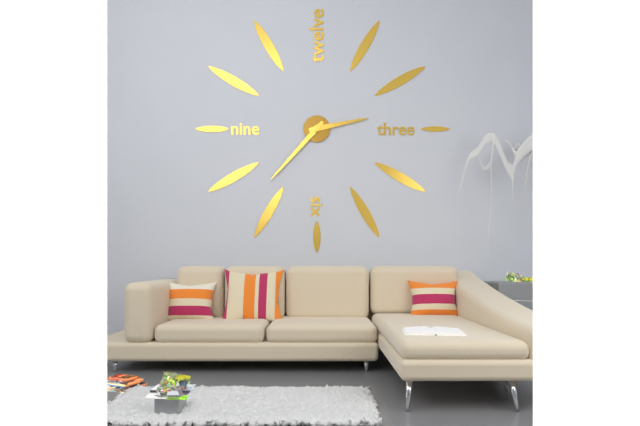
2.37
